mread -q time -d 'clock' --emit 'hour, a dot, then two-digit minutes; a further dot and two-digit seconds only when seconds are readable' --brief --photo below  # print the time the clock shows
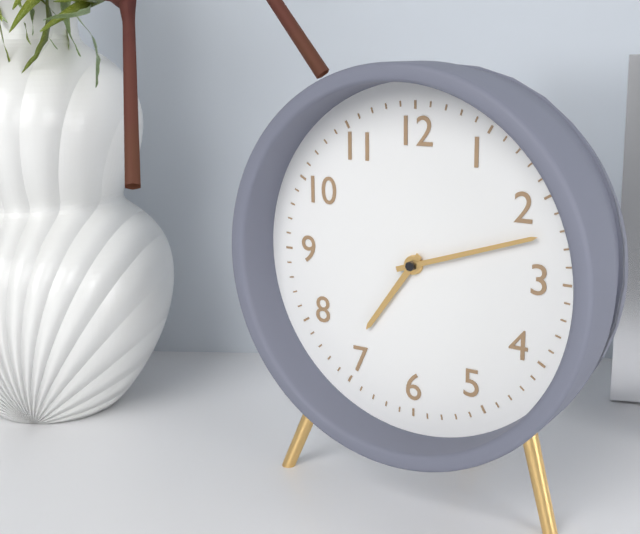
7.12
